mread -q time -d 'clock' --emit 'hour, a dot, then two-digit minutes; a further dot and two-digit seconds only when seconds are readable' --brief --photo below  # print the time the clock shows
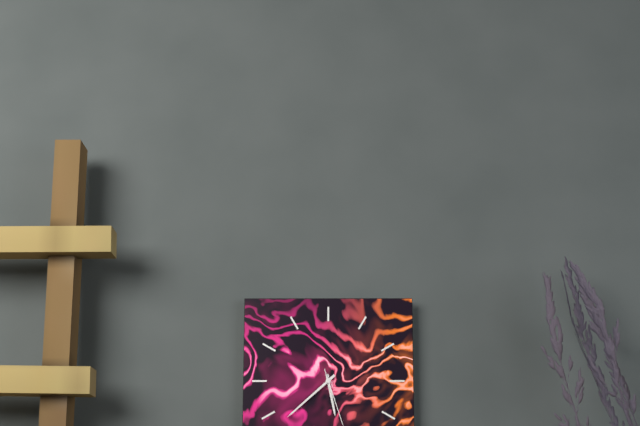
5.38
